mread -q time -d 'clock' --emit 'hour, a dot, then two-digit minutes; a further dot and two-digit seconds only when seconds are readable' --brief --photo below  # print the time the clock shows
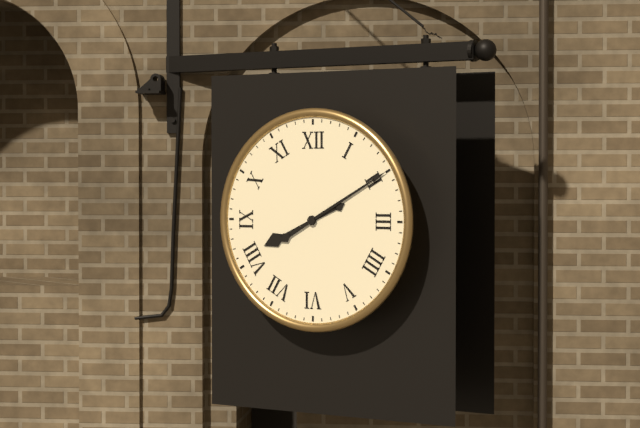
8.10
